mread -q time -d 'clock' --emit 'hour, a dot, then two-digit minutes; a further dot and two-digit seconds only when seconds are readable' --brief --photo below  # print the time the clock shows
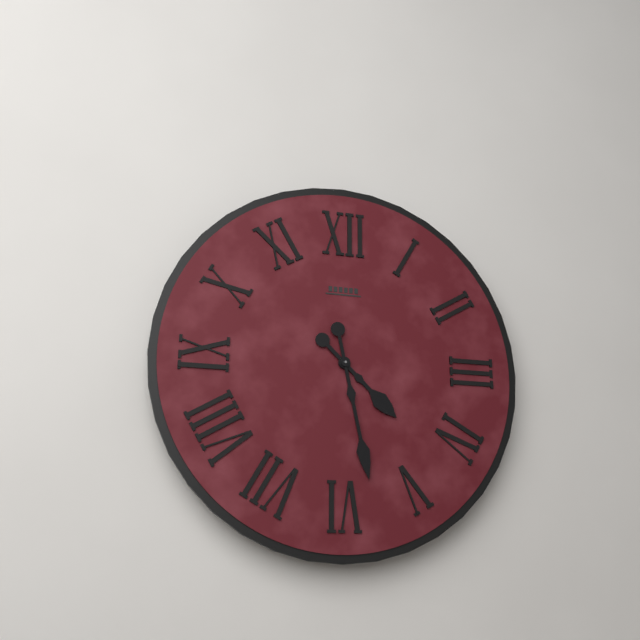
4.28
